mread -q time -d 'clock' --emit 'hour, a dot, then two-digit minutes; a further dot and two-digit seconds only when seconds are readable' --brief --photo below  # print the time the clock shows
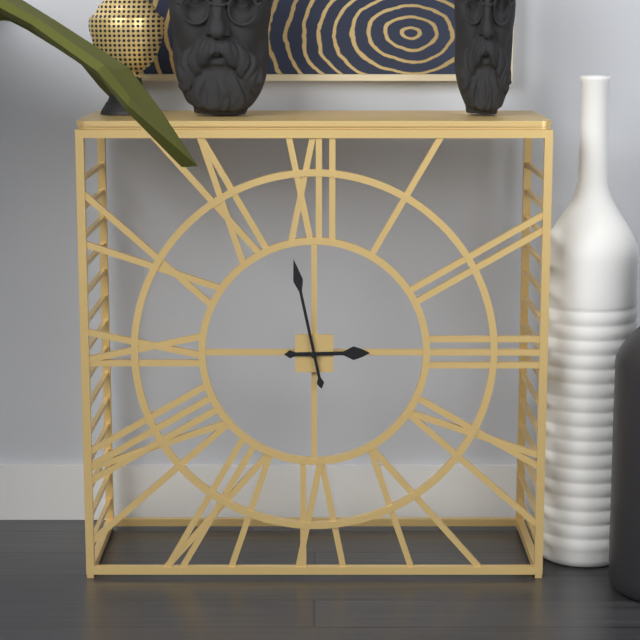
2.58
